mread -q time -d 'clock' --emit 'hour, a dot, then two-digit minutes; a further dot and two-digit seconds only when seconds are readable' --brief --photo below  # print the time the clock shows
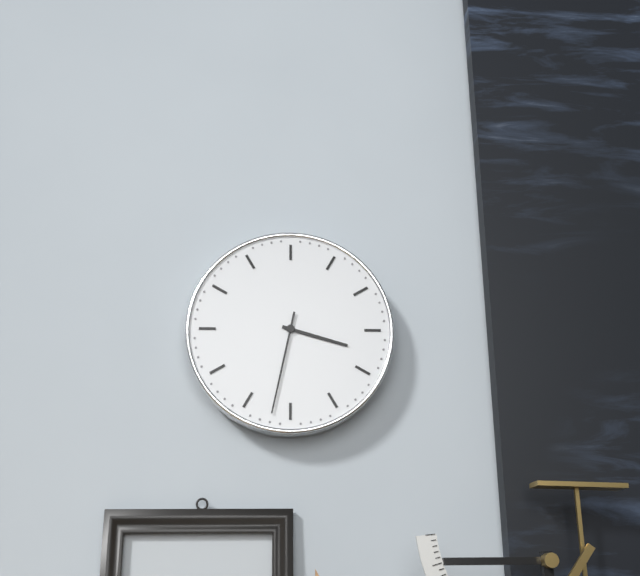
3.32
